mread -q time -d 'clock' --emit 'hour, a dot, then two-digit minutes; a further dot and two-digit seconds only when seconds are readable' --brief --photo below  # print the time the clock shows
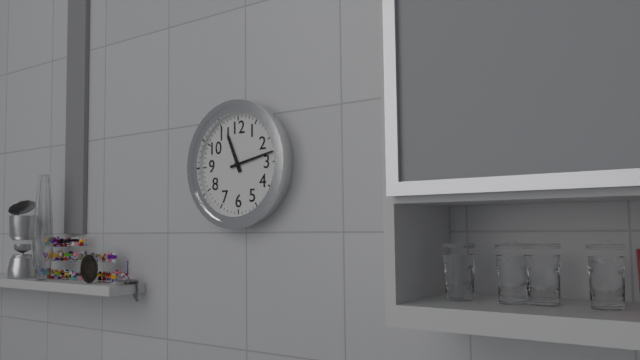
11.13
